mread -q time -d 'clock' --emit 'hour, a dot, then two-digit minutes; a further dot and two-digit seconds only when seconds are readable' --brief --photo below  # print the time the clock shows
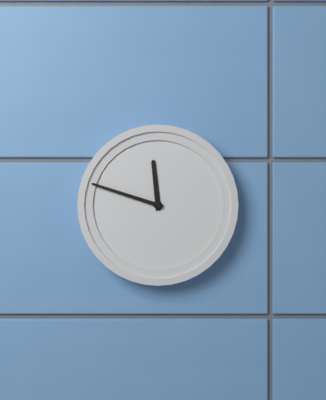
11.48
